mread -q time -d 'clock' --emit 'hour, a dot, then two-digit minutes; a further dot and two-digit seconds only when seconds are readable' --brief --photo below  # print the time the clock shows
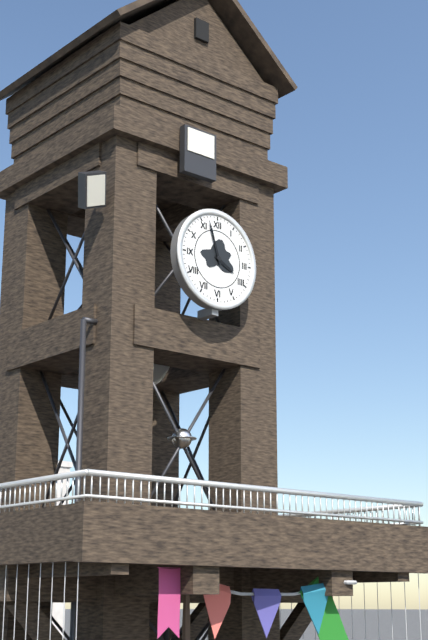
3.57
